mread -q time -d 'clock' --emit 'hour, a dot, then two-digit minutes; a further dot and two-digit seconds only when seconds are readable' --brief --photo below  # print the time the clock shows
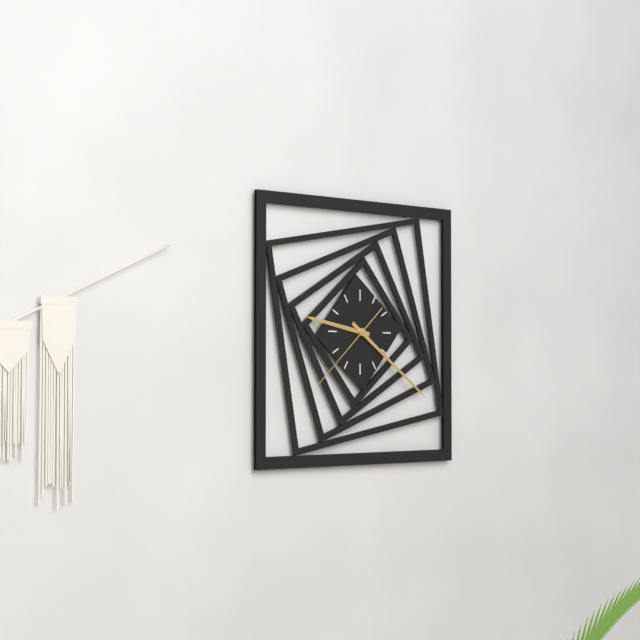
9.21.38
